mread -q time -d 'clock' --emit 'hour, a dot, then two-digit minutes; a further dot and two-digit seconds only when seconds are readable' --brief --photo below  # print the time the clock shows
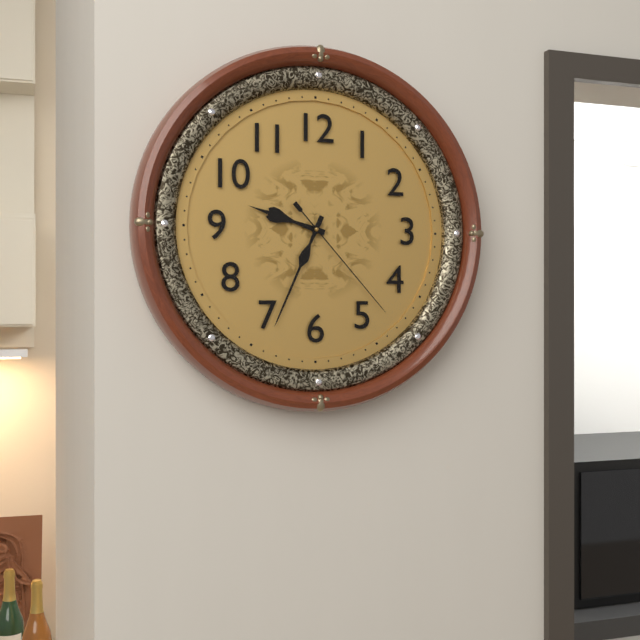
9.34.23
